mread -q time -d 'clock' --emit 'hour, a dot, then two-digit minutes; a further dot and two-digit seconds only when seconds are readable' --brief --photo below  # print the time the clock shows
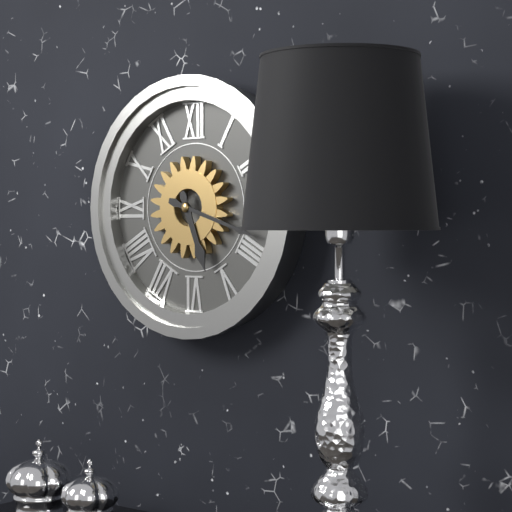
5.18
